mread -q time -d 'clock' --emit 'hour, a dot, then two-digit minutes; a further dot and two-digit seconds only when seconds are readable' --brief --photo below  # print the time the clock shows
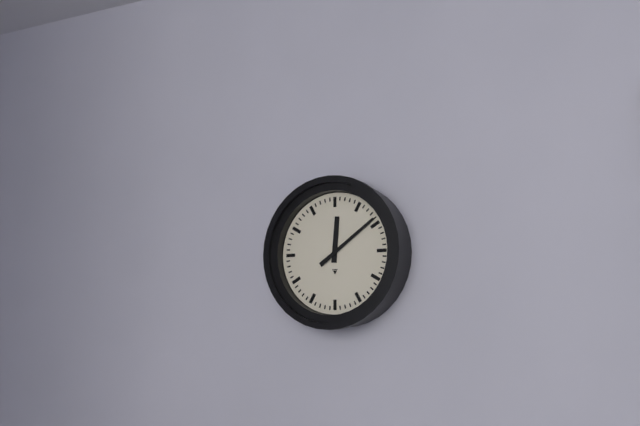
12.09
